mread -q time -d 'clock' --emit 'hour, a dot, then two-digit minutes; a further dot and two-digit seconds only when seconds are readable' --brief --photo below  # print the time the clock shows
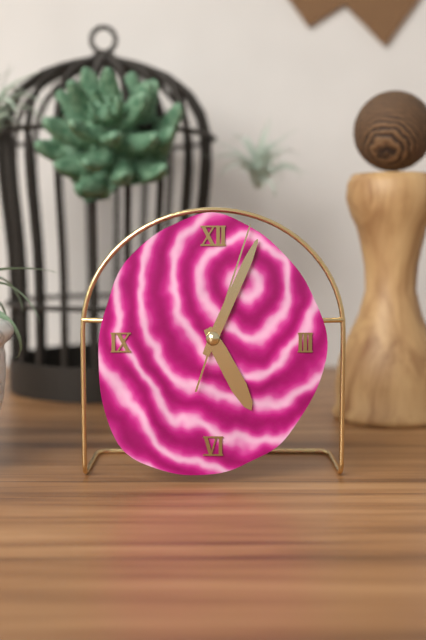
5.04.03
